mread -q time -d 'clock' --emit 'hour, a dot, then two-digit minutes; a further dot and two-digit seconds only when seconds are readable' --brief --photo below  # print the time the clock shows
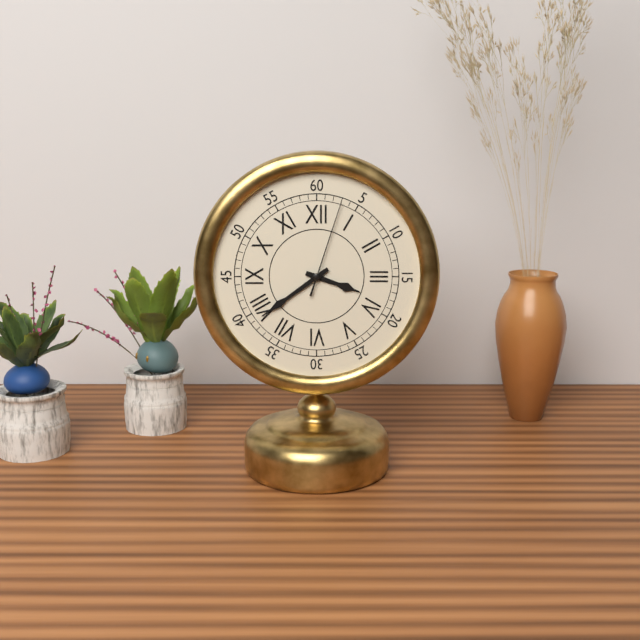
3.39.03
